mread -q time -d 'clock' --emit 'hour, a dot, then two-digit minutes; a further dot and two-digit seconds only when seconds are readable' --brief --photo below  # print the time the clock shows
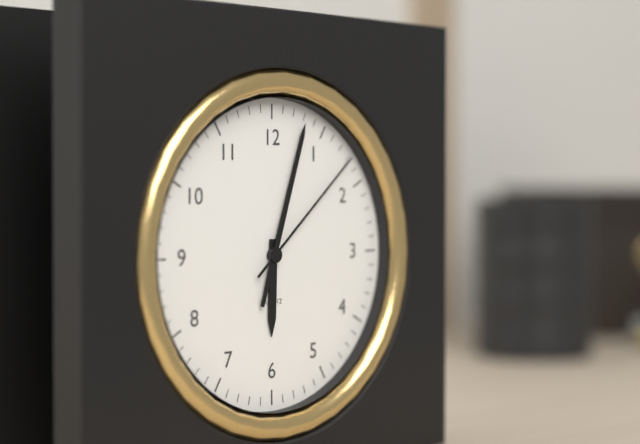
6.03.08
